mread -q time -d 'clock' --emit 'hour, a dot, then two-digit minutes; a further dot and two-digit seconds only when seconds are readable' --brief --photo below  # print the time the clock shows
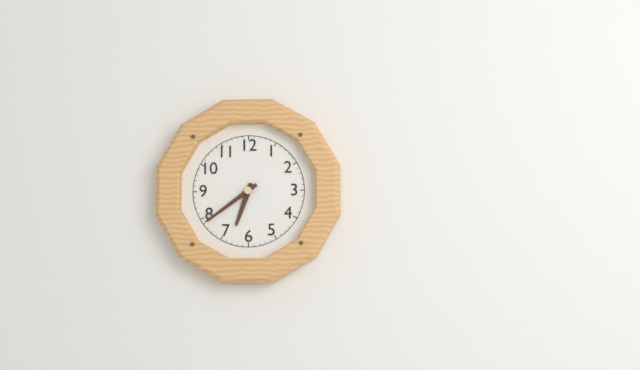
6.39
